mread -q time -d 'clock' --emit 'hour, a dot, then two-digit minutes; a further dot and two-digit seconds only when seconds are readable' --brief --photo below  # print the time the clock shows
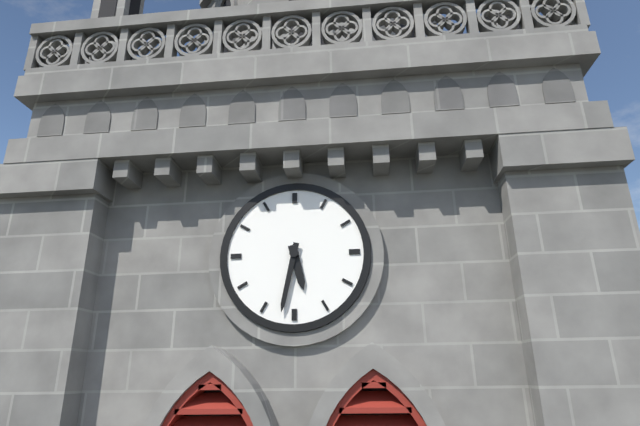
5.32
